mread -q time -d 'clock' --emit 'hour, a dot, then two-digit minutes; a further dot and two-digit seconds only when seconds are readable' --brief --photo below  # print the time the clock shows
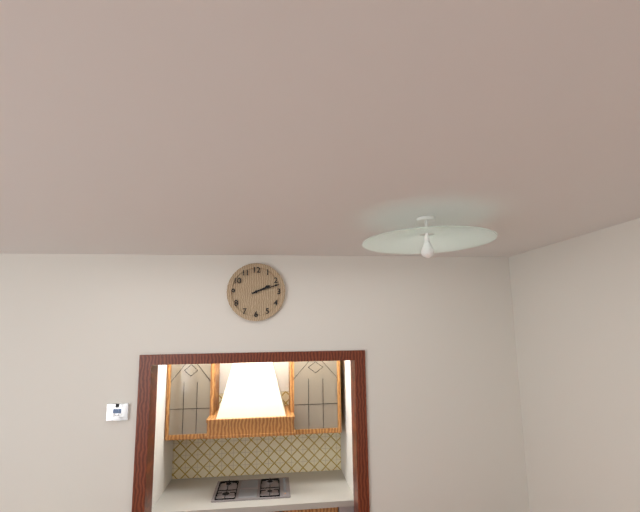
2.12
